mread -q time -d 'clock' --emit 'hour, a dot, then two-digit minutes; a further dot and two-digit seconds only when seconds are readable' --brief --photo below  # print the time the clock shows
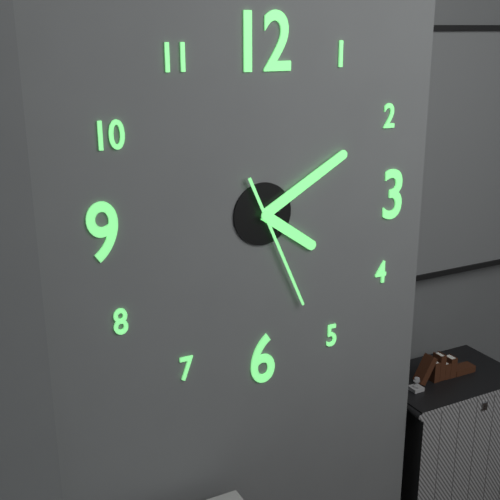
4.10.26
